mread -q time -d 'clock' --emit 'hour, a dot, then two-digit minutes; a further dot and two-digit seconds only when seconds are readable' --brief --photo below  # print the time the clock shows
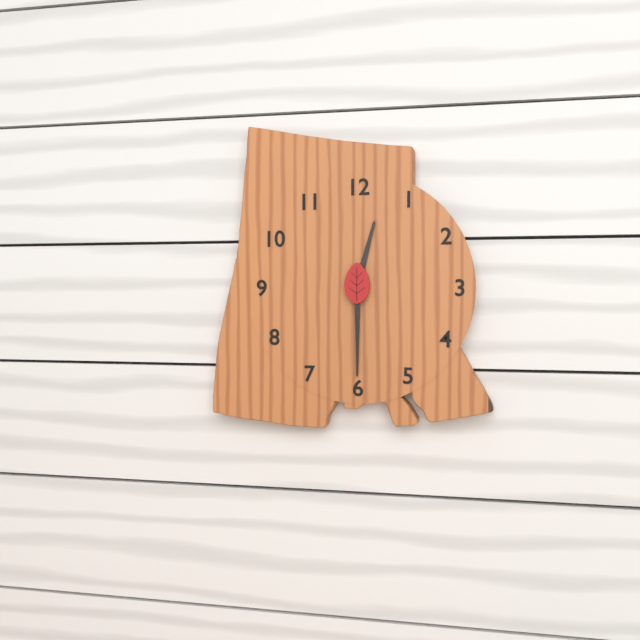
12.30
